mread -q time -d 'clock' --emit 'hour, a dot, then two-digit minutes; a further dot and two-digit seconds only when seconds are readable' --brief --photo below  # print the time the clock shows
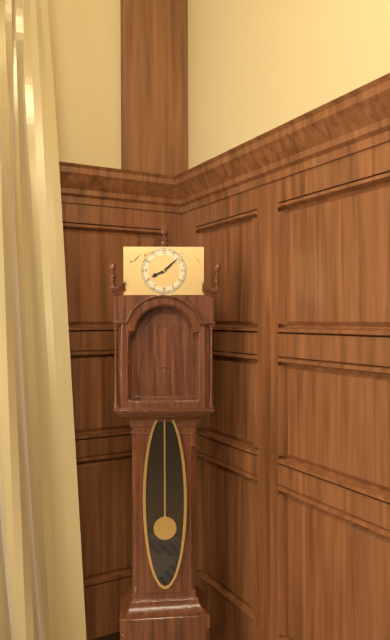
8.08
